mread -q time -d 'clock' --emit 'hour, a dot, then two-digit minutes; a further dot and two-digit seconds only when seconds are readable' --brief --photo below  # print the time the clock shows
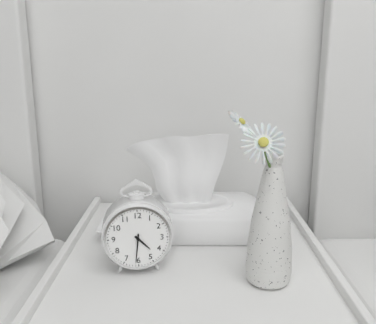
4.31
